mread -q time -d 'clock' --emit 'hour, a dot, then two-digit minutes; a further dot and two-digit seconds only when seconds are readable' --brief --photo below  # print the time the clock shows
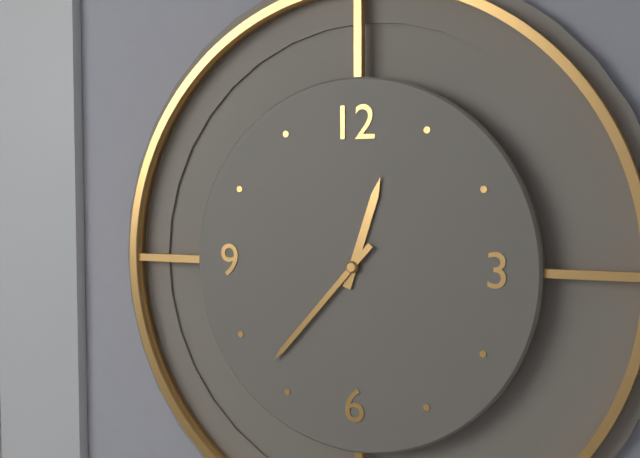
12.37
